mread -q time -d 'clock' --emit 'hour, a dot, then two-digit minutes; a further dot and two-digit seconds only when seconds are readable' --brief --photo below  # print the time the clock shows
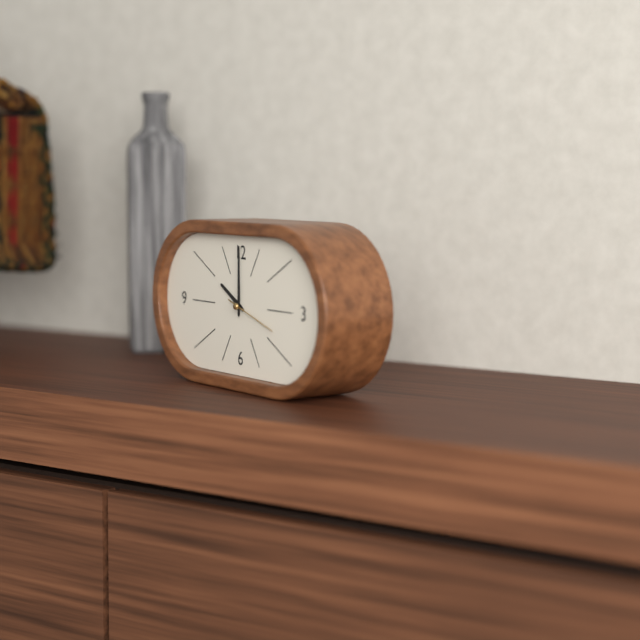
10.00.18
